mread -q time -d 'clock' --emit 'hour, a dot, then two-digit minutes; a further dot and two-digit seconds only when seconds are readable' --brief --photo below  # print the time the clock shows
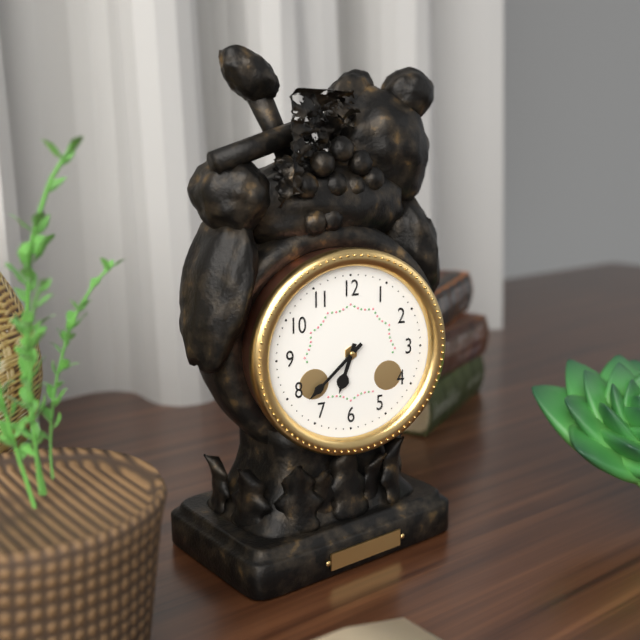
6.38
